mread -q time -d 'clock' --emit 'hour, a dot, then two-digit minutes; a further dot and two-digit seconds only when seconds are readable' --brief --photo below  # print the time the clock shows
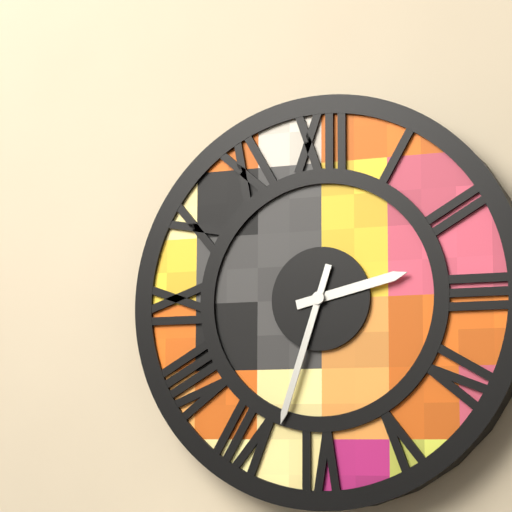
2.33
